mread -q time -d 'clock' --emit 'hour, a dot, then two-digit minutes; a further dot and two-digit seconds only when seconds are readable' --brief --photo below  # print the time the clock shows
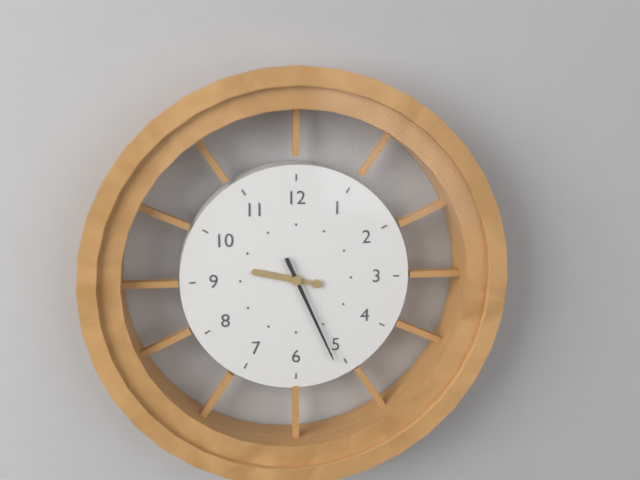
9.26
